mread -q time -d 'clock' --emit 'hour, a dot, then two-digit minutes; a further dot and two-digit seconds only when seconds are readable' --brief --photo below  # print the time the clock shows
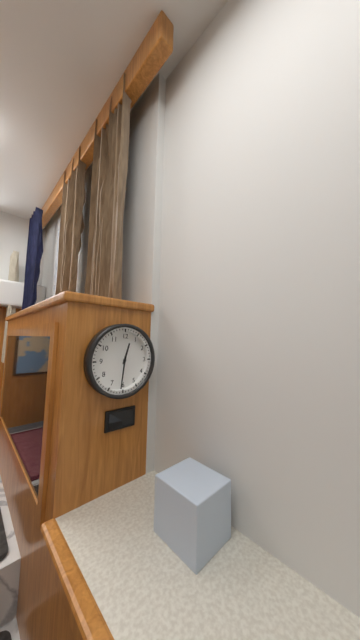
12.31
